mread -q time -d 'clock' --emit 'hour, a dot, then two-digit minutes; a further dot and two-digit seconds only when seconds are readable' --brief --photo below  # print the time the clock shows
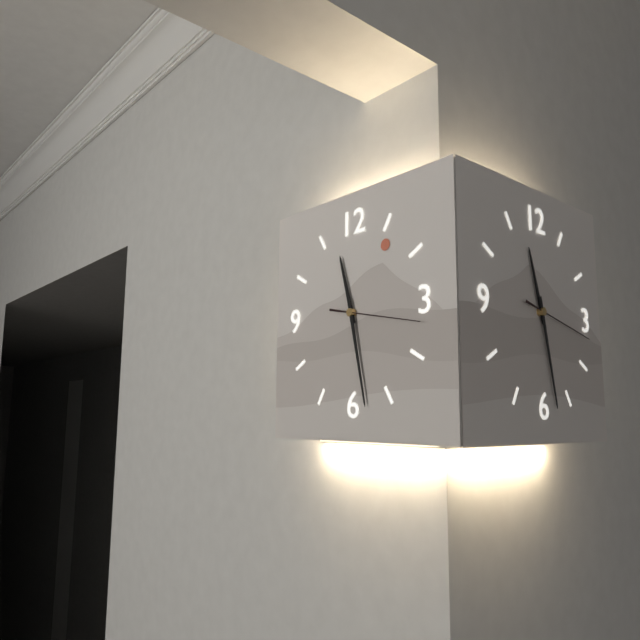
11.28.17
